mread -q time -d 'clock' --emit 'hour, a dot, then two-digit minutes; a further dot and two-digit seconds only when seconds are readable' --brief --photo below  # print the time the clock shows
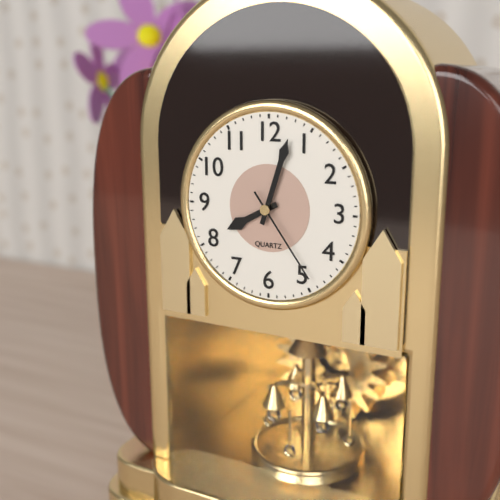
8.03.24
